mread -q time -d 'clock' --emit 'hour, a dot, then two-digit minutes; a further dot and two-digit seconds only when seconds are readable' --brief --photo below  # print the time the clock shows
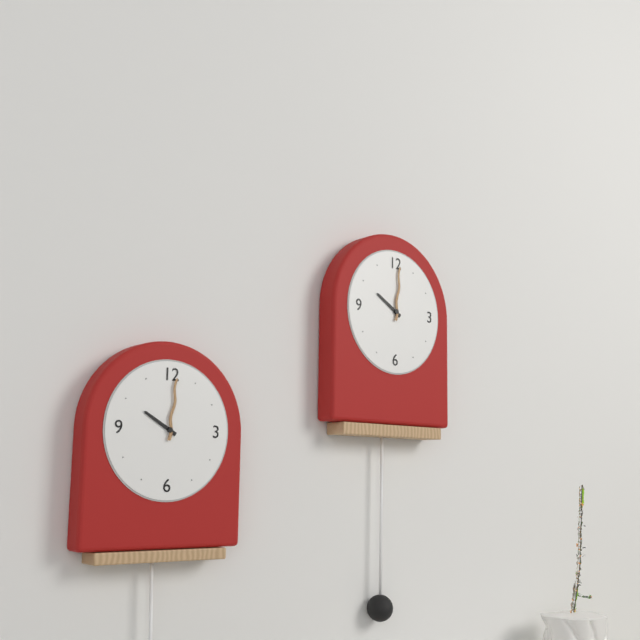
10.01
